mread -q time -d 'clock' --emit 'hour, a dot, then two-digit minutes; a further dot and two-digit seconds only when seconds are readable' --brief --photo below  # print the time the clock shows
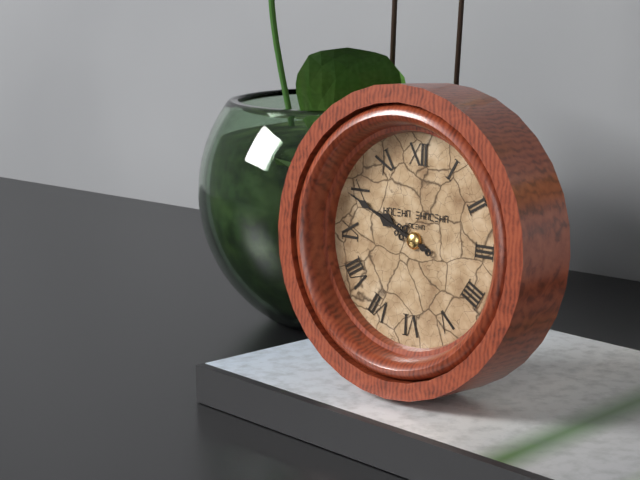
9.49
